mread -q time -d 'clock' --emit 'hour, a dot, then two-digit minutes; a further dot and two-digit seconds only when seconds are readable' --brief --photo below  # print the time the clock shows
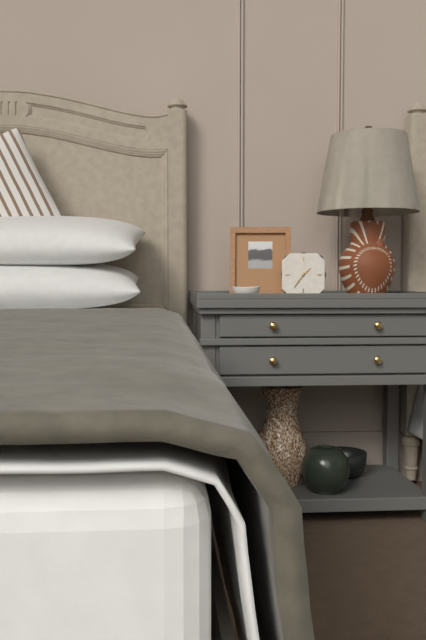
1.36
